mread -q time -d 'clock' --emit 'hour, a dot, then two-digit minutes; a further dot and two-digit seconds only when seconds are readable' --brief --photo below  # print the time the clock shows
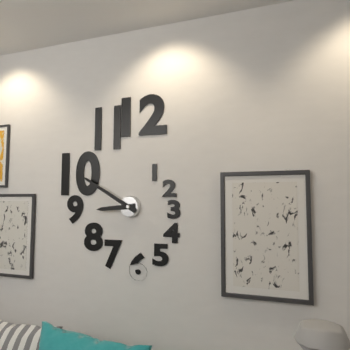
8.50
